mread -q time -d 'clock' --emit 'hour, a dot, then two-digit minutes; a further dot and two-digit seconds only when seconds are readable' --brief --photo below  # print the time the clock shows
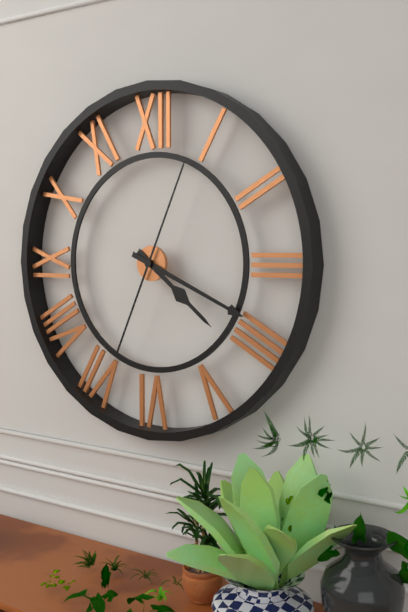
4.19.04
